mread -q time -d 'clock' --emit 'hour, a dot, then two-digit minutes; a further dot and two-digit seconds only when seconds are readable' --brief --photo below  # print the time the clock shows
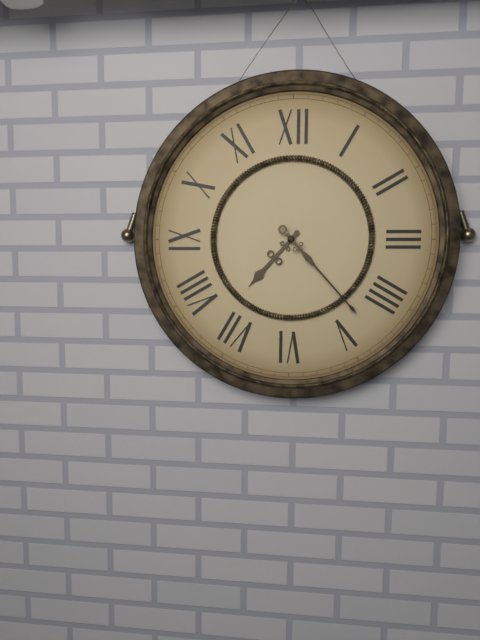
7.23
